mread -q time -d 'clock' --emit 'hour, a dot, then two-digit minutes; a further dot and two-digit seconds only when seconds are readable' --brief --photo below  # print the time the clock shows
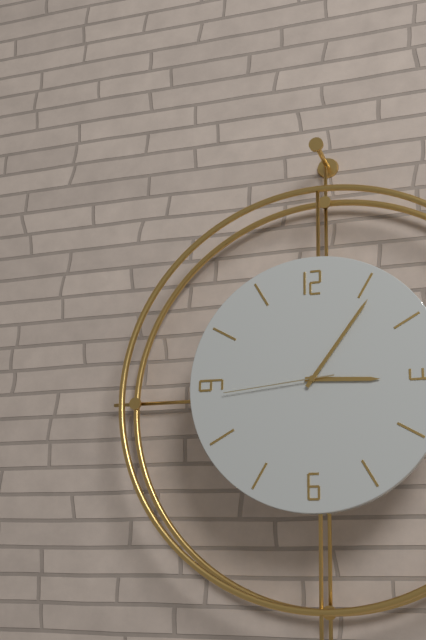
3.06.44
